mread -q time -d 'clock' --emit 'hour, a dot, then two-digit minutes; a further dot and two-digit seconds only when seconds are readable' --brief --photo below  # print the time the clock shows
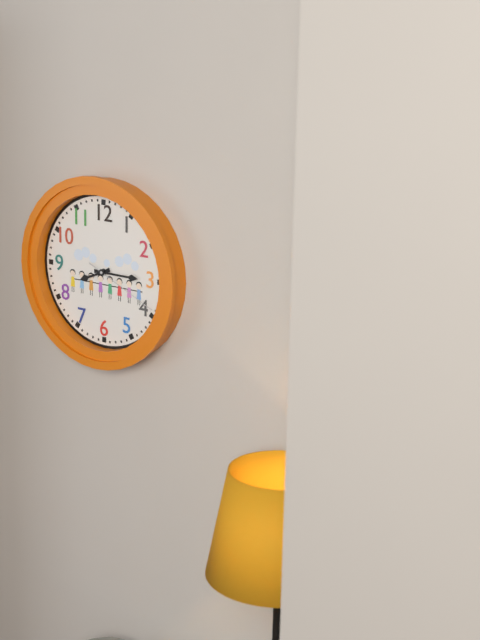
8.15.19
